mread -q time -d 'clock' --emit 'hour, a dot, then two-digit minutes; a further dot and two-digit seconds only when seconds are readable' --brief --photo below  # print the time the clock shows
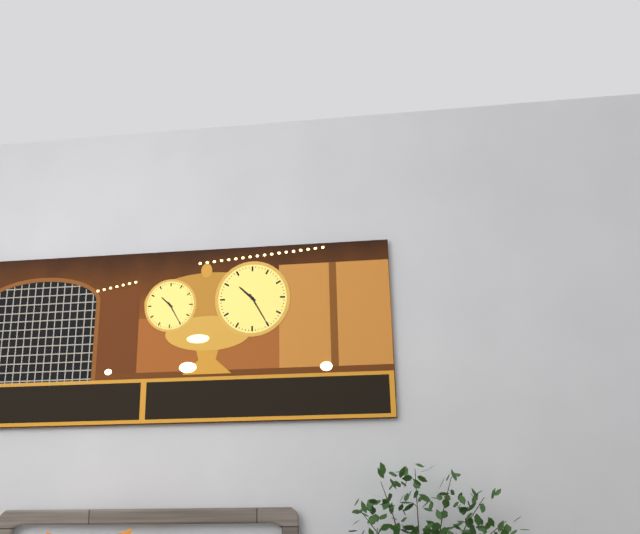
10.25
